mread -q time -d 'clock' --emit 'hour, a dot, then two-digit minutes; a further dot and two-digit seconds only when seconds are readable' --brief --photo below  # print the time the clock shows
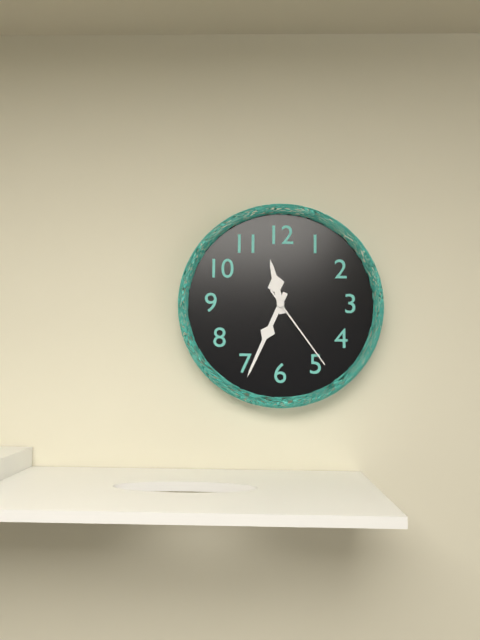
11.34.24
